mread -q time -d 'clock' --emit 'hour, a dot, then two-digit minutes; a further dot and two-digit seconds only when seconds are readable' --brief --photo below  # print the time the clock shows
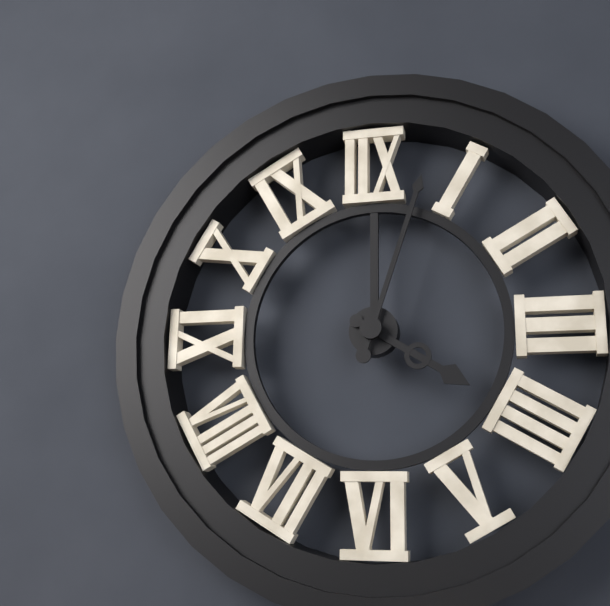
4.03
